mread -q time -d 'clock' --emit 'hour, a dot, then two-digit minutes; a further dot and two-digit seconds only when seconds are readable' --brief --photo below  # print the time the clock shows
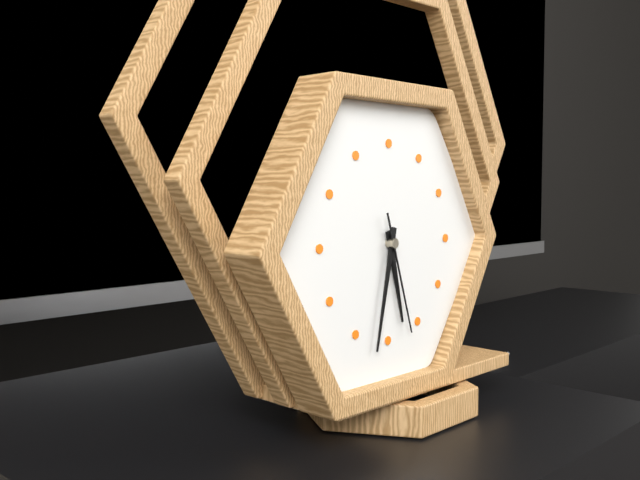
5.32.27
